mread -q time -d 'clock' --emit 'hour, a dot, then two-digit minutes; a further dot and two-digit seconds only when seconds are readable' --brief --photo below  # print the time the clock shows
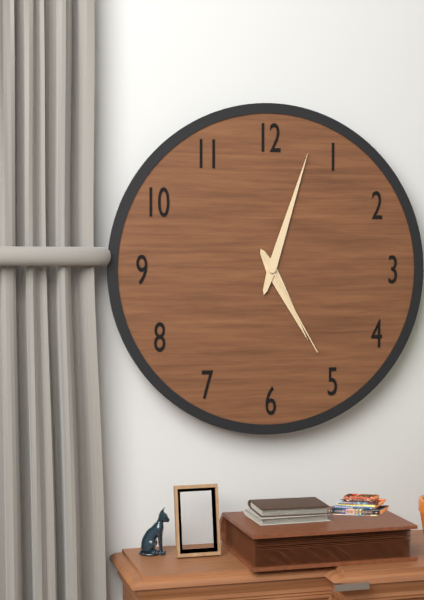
5.03.25
